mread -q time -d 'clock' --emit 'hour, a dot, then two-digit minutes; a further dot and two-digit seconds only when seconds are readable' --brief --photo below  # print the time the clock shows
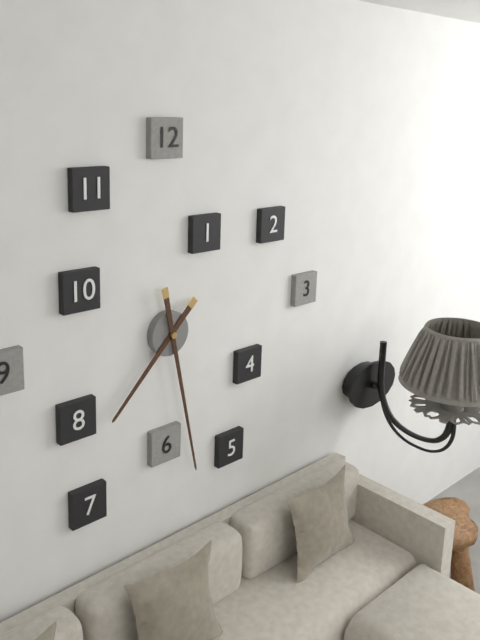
7.28
